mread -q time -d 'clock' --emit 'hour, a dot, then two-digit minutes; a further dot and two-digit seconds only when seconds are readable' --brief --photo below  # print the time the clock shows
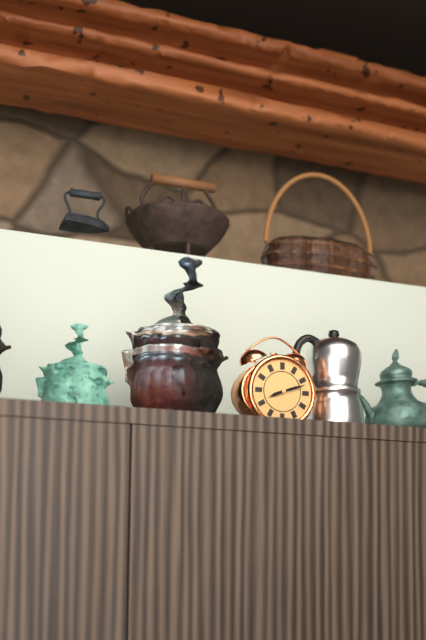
8.12
